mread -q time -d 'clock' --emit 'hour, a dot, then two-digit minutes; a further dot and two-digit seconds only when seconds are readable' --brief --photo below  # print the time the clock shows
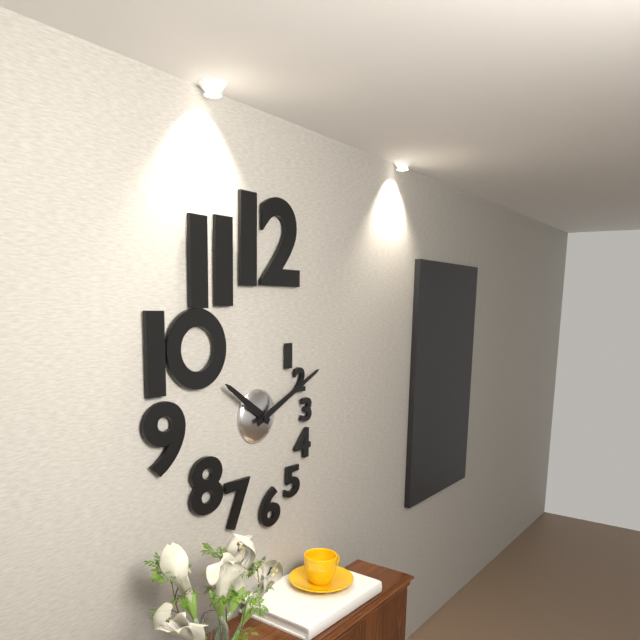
10.11
